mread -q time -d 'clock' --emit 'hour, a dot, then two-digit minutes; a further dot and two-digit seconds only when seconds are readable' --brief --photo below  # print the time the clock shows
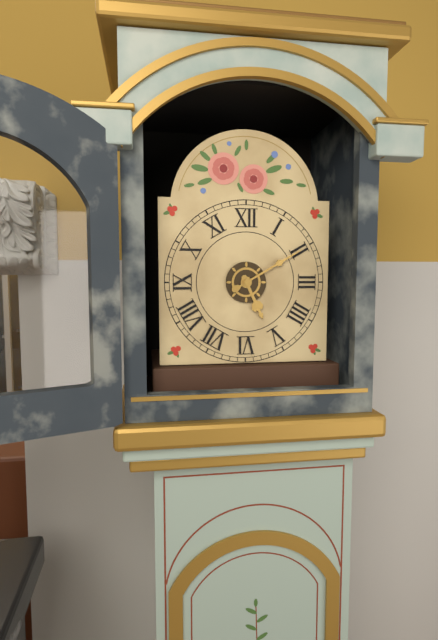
5.10
